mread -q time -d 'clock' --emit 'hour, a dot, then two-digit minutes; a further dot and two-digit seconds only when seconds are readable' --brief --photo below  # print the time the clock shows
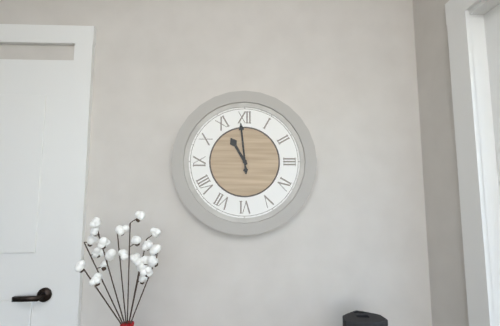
10.59
